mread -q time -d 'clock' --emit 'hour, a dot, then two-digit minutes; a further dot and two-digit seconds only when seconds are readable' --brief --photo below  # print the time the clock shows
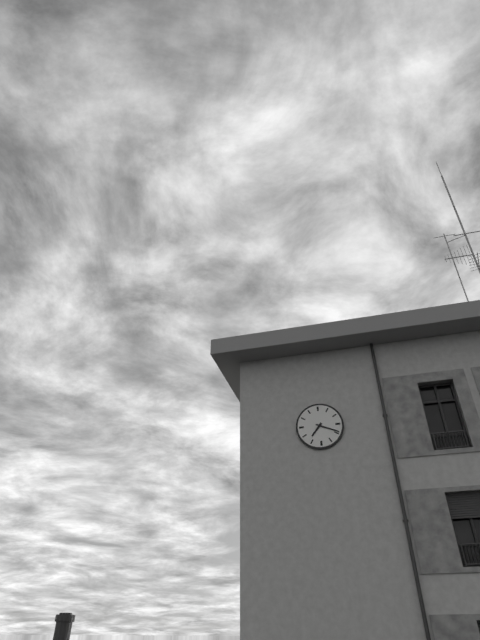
7.19
